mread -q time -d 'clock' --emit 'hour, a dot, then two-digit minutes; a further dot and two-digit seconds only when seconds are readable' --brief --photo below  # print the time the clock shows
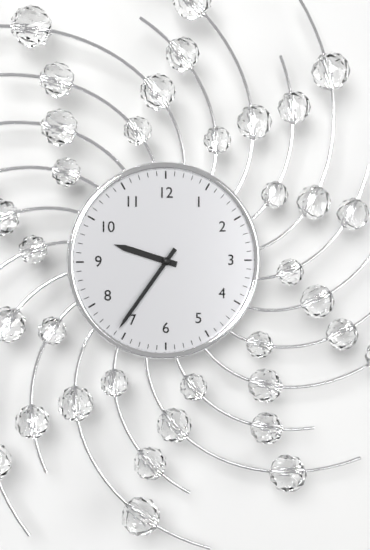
9.36
